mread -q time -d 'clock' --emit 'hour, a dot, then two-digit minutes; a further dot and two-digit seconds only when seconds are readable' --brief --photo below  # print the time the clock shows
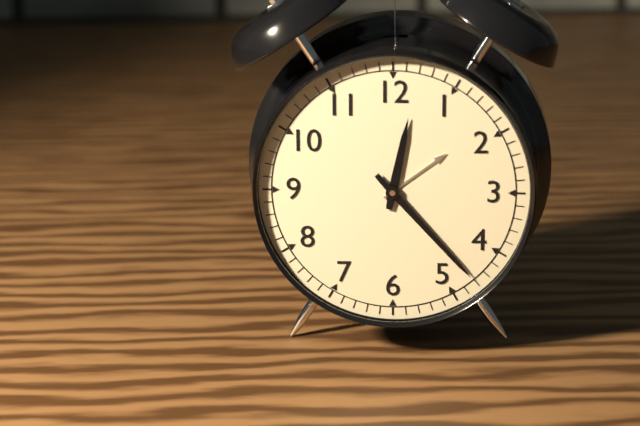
12.23
